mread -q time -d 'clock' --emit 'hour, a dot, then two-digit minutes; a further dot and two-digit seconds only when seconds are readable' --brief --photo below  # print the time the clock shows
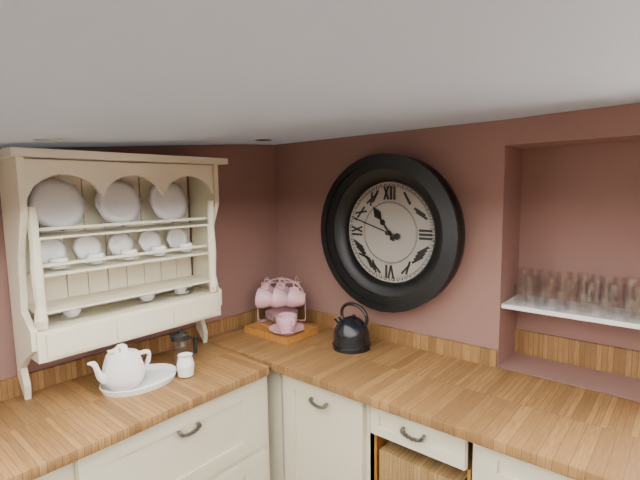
10.48
